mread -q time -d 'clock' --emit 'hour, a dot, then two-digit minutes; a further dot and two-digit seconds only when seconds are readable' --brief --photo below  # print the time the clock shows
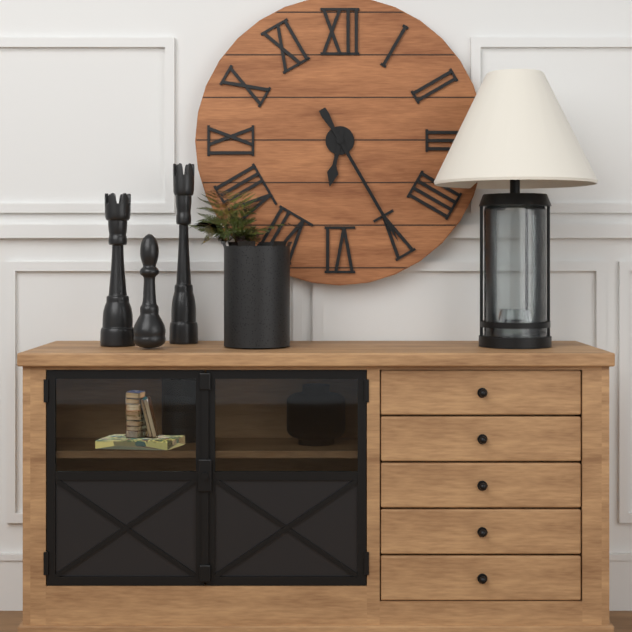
6.25
